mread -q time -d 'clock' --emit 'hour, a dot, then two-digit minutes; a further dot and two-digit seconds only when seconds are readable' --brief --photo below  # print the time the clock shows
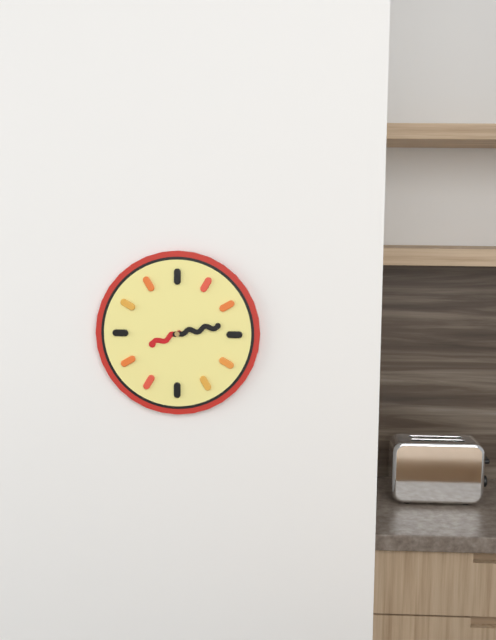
8.13
